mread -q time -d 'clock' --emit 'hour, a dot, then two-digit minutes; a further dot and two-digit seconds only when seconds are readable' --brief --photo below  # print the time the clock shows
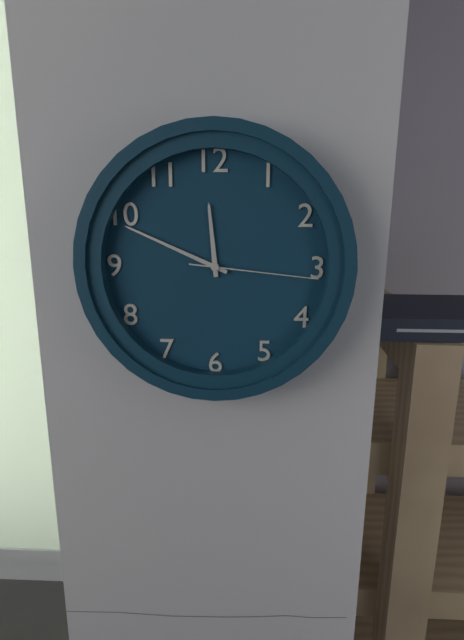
11.49.16
